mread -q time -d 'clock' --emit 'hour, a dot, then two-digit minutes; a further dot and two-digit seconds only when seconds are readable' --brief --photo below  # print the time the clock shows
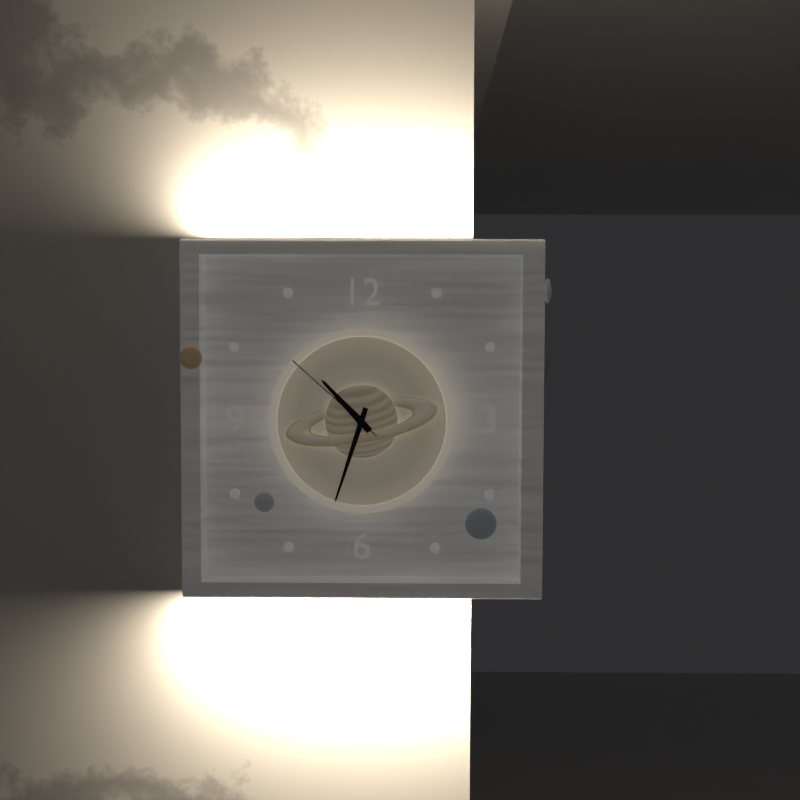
10.33.52
